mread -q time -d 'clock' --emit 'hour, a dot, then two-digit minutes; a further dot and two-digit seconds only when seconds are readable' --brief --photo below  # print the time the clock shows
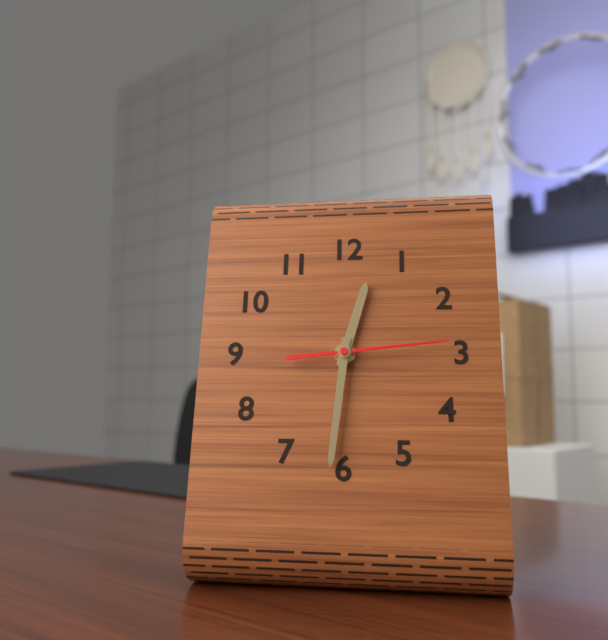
12.31.14
